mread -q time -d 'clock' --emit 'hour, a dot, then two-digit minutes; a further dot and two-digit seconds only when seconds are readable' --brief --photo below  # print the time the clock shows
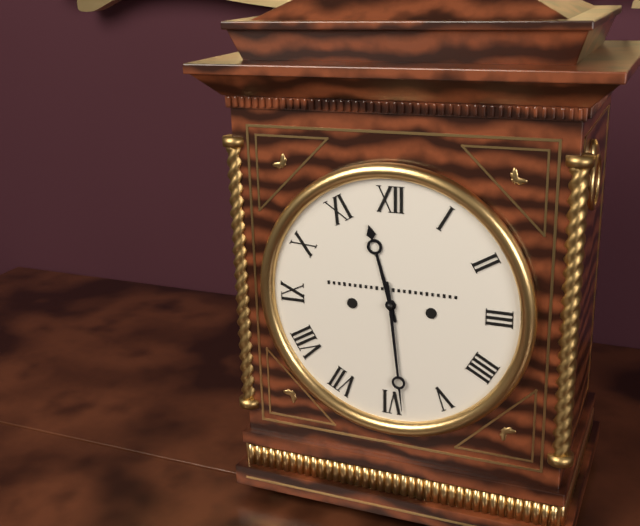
11.29
